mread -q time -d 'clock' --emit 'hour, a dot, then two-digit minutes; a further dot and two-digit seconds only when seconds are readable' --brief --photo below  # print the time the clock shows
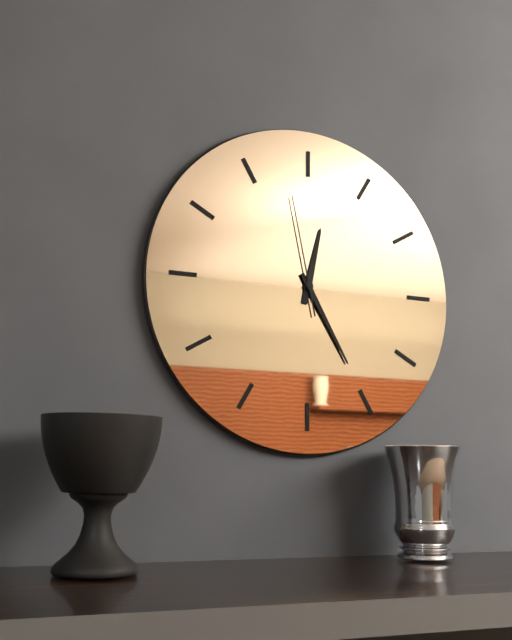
12.25.58
